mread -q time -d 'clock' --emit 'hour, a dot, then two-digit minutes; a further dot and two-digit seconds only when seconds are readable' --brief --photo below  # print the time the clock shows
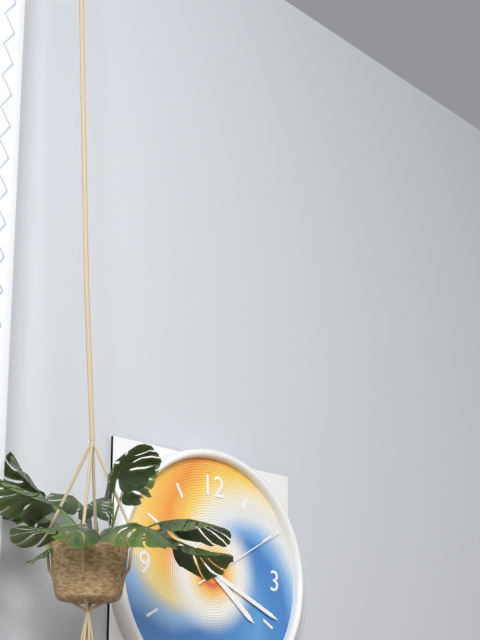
4.19.10
